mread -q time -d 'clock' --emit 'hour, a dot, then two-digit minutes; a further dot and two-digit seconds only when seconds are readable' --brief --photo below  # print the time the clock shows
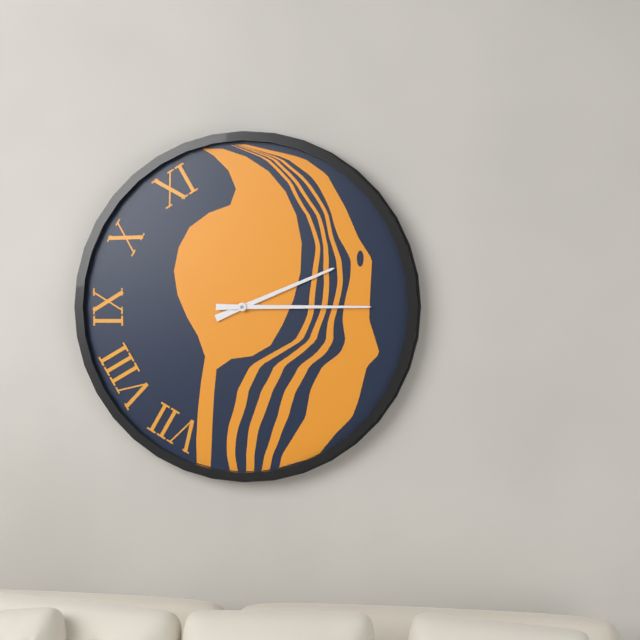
2.15
